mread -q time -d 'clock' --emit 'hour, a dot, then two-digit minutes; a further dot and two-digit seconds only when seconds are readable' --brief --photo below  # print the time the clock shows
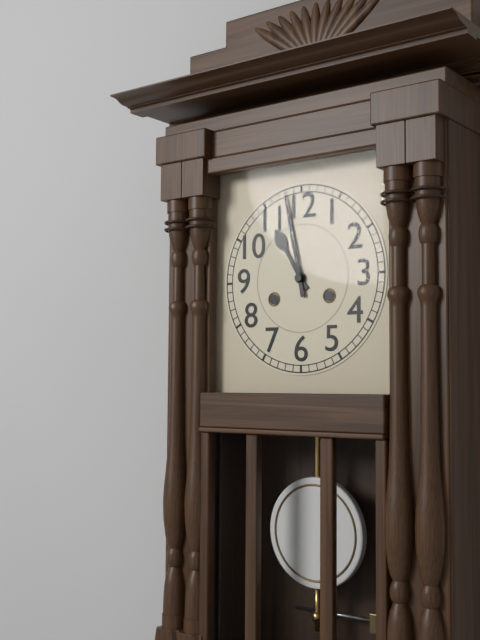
10.58
